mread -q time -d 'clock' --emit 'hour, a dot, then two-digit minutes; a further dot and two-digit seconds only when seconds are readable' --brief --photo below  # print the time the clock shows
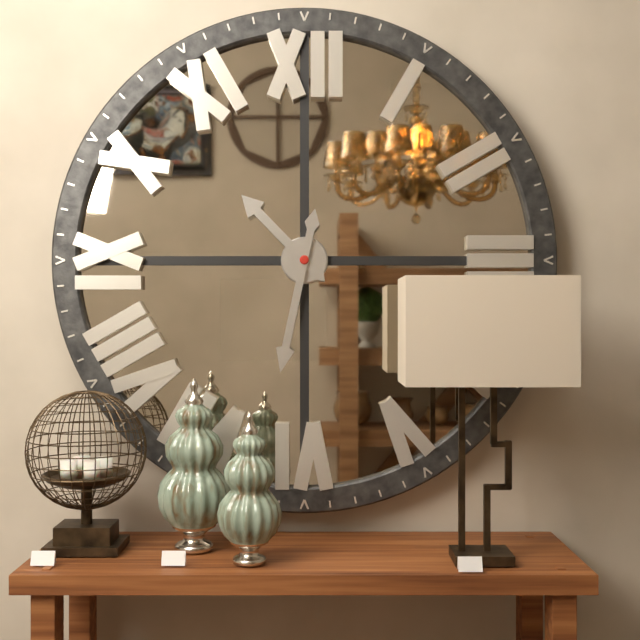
10.32
